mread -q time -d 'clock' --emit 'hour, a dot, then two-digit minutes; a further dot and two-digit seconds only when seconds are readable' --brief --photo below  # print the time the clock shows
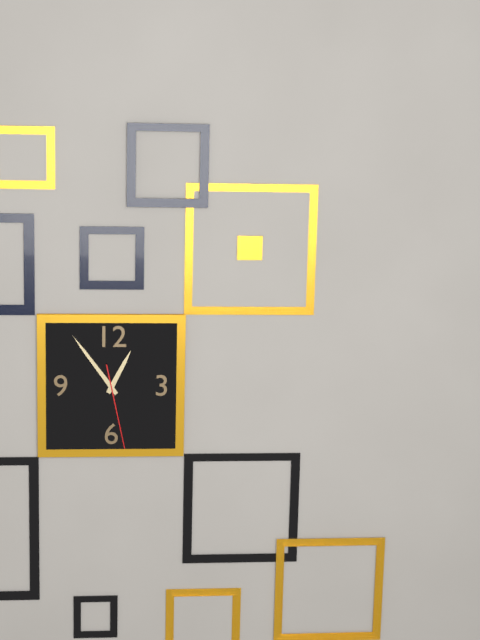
12.54.28
